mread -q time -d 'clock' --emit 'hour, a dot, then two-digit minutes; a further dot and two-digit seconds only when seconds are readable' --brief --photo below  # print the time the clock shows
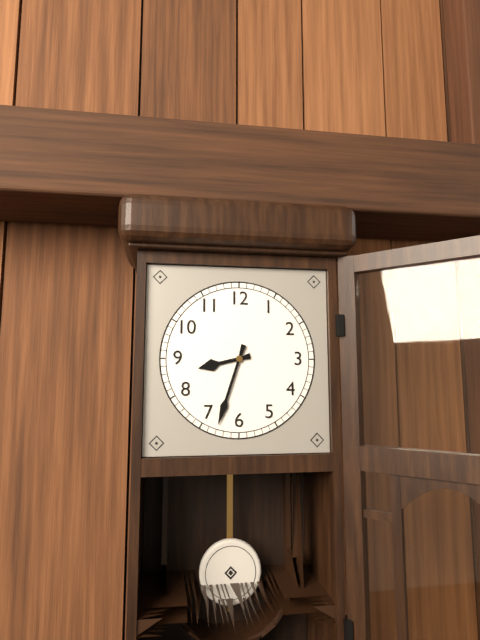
8.33
